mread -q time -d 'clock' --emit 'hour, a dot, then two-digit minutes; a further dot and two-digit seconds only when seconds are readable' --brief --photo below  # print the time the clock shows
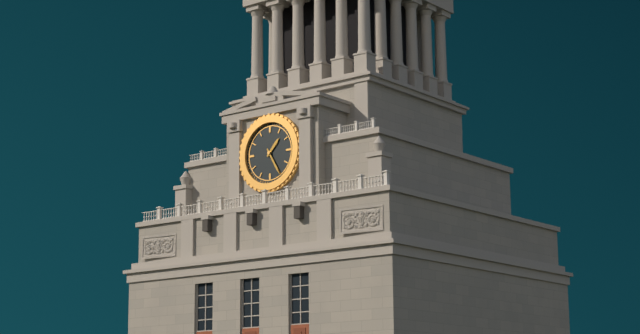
1.25
